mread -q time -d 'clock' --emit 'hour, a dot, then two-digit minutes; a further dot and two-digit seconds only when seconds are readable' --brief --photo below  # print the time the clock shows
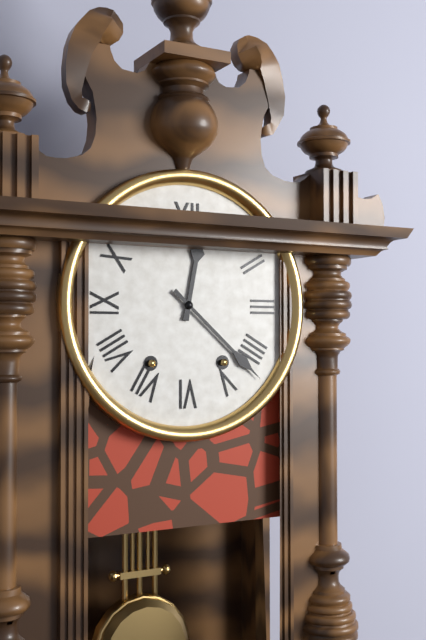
12.22
